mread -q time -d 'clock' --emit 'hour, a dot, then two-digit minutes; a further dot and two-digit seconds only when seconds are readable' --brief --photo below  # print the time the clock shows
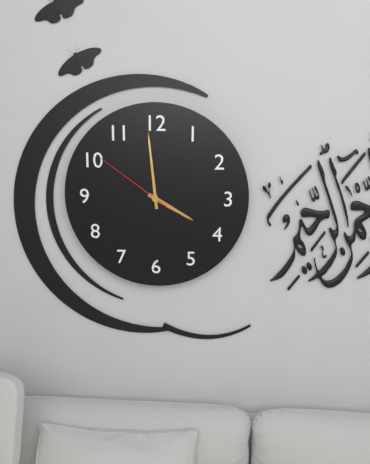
3.59.51
